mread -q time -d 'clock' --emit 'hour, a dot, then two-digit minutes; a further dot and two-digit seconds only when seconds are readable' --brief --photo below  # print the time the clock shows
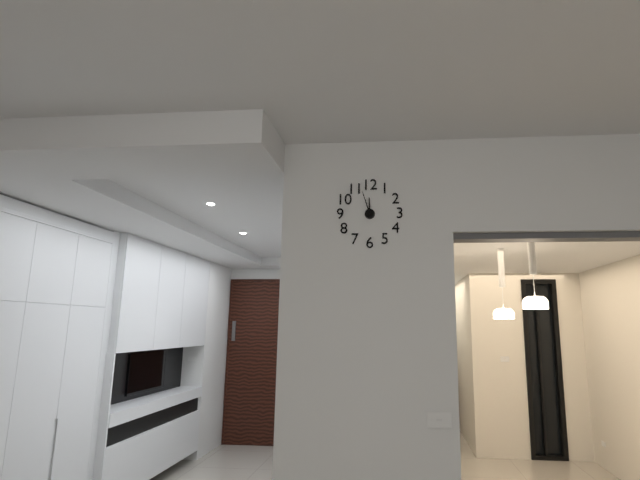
11.57
